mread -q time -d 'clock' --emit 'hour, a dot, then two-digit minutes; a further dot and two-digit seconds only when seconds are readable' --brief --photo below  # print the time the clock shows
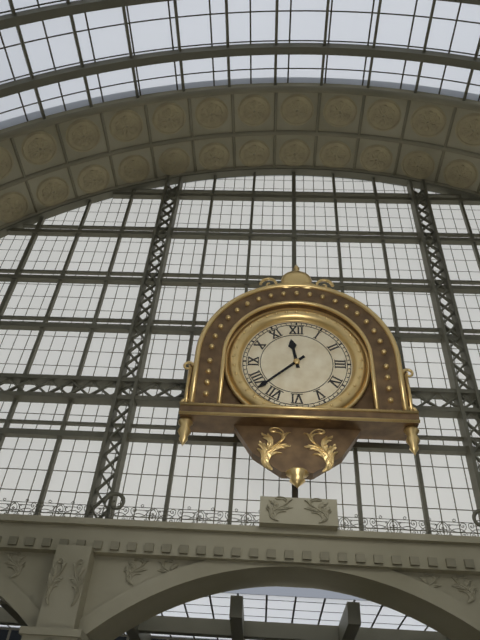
11.38
